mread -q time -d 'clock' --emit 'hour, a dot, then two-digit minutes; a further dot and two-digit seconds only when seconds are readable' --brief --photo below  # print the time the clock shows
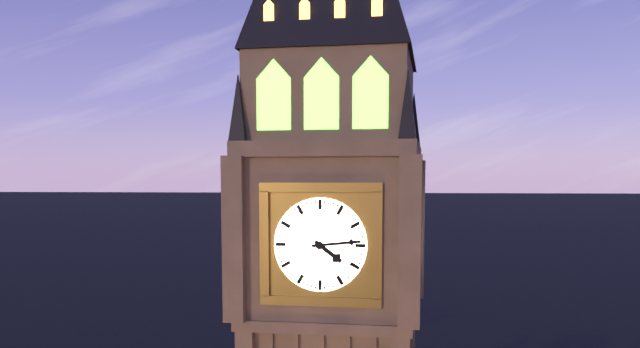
4.14
